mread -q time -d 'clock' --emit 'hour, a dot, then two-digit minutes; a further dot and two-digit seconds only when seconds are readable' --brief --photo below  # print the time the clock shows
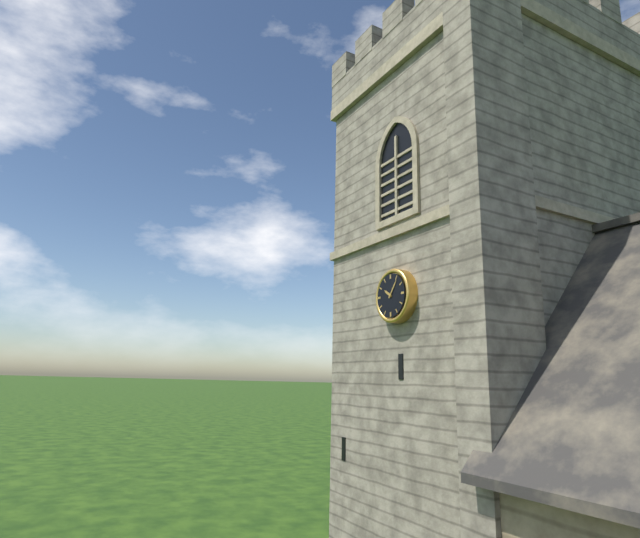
10.06
